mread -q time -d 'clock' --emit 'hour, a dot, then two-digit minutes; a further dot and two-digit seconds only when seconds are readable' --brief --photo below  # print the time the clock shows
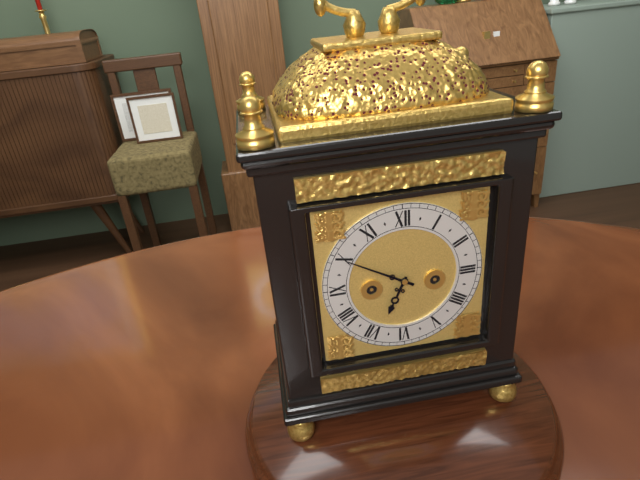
6.50
